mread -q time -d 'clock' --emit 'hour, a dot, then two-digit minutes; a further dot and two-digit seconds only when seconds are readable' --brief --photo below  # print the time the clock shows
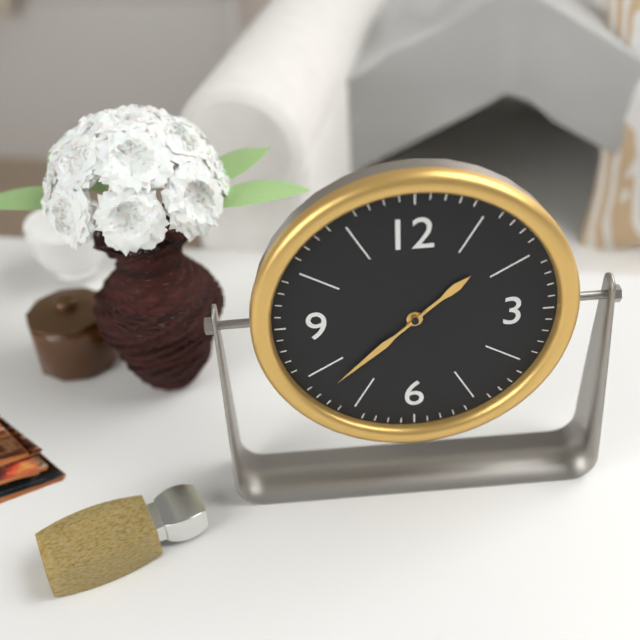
1.38
